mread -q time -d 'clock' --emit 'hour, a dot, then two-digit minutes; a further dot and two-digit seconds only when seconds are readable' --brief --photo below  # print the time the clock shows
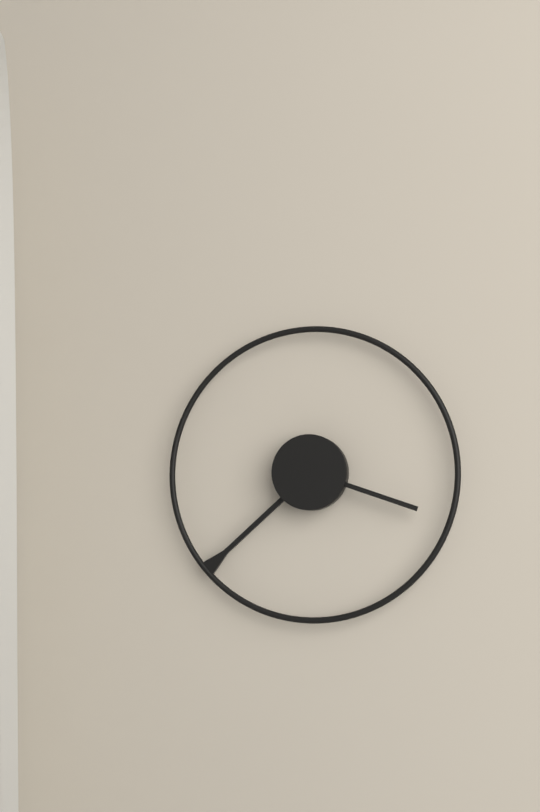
3.38
